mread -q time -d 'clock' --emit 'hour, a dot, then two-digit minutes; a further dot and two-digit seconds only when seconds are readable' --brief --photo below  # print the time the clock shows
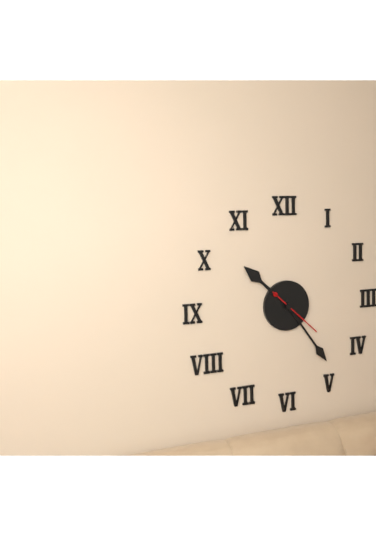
10.24
